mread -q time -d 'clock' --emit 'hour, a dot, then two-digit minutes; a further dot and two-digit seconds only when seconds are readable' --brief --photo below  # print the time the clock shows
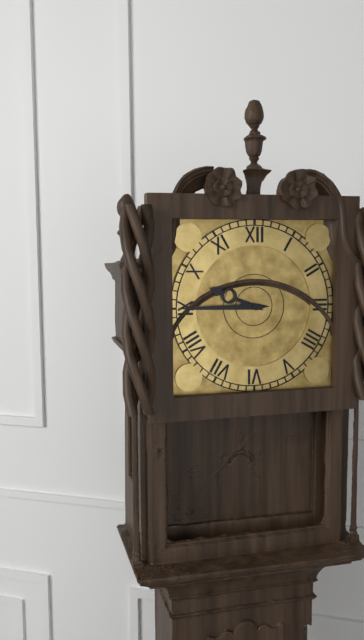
9.45
